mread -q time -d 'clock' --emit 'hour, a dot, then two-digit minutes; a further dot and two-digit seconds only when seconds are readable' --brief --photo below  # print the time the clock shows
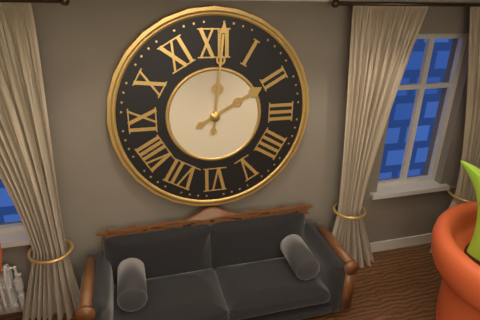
2.01
